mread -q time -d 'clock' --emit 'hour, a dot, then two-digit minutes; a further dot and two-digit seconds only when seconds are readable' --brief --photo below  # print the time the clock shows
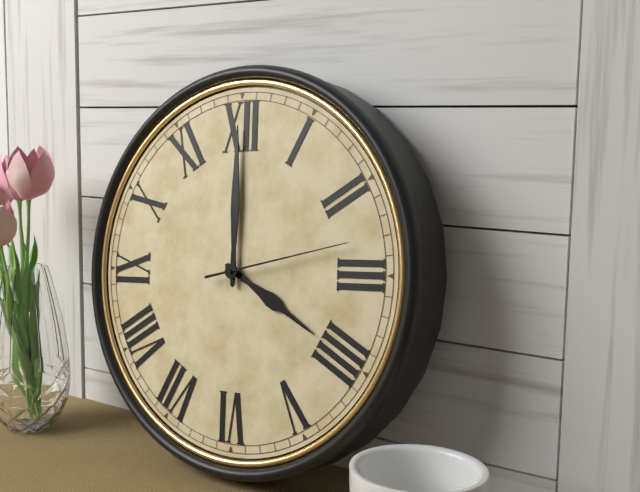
4.00.13
